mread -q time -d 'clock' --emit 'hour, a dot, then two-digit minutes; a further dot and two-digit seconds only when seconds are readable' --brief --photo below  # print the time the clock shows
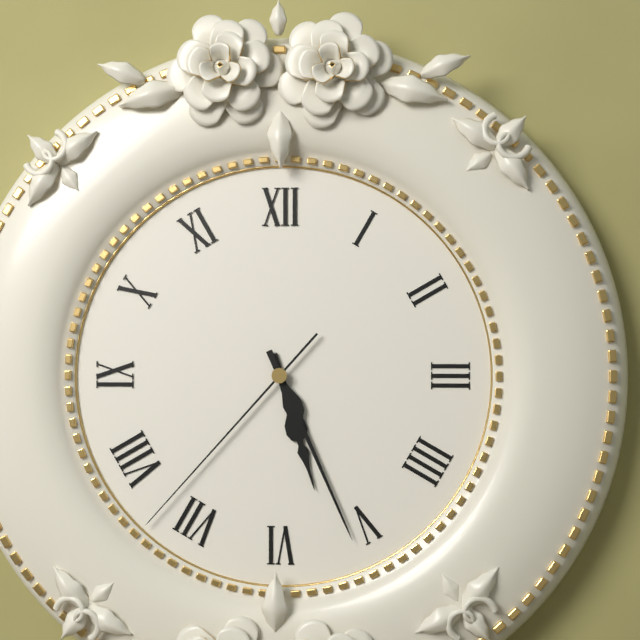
5.26.37
